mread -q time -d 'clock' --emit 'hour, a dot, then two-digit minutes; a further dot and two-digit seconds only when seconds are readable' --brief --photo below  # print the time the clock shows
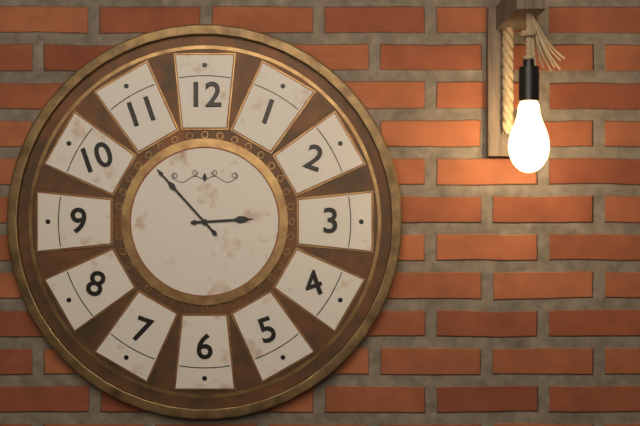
2.53
